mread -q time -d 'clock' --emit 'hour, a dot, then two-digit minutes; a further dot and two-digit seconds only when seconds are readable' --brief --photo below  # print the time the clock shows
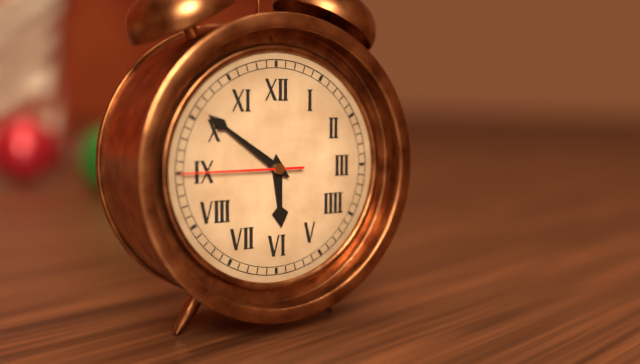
5.51.45
